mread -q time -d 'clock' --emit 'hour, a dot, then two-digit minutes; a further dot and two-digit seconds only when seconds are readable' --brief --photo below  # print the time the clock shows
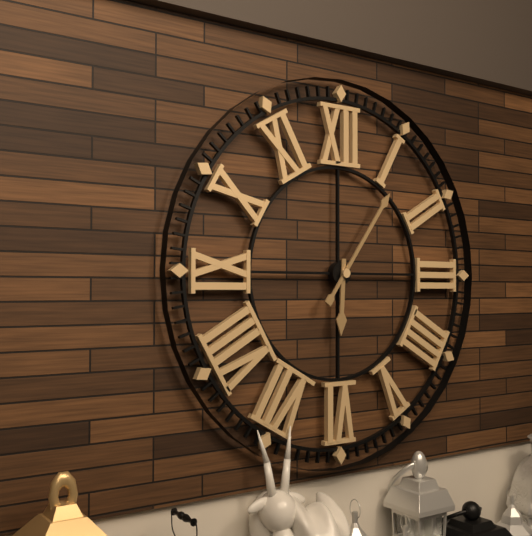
6.06
